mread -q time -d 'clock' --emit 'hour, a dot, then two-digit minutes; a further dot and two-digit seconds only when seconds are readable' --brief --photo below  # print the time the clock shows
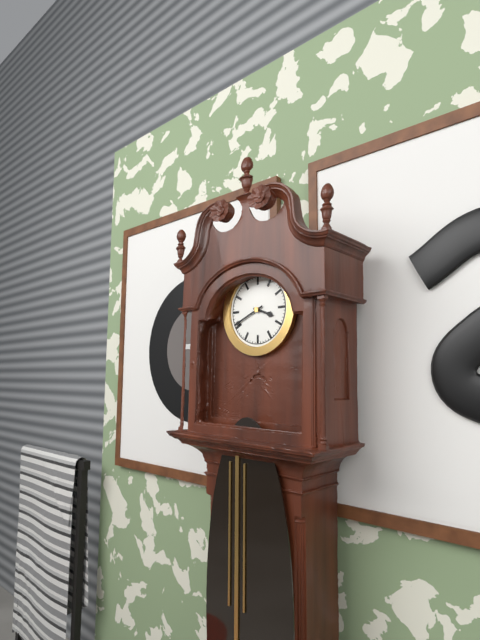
3.41
